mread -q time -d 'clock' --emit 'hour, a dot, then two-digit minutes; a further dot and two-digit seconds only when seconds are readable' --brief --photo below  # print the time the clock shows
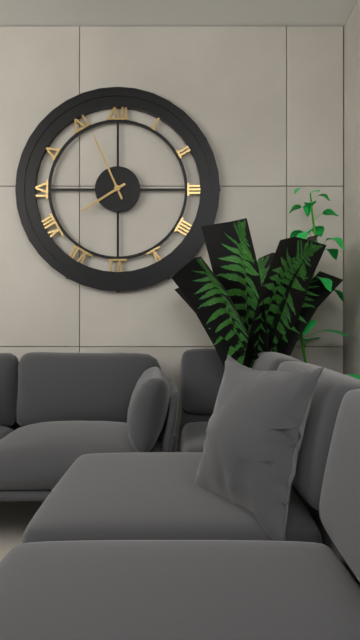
7.56
